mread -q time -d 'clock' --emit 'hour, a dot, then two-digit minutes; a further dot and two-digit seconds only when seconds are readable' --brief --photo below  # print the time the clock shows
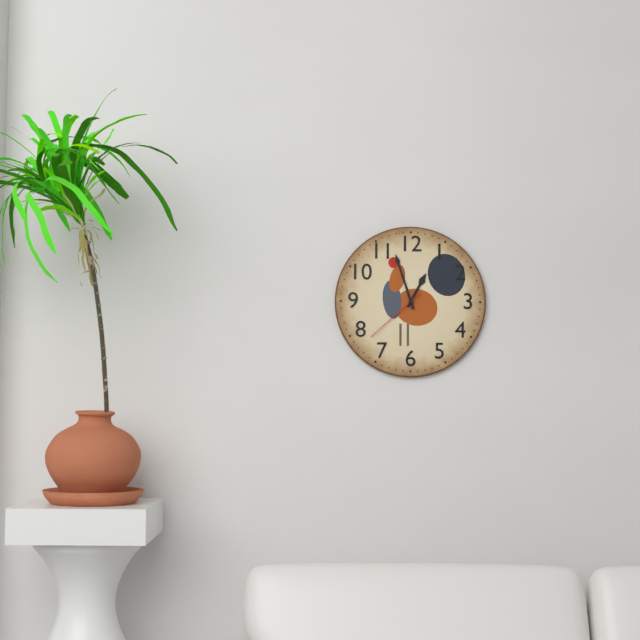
12.57.38
